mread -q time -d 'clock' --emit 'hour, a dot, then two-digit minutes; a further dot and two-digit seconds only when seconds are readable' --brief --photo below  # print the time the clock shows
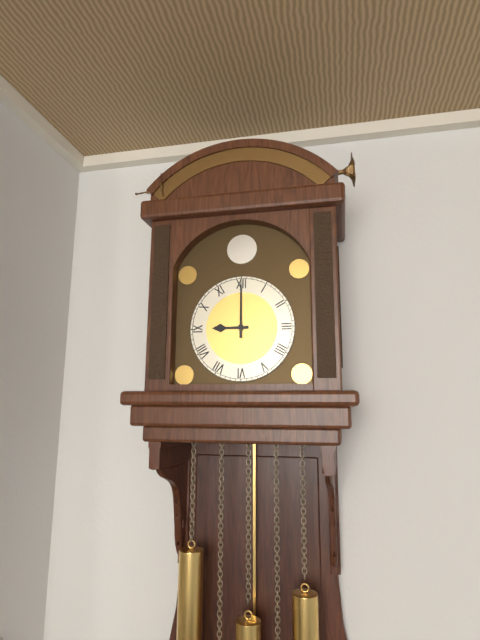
9.00
